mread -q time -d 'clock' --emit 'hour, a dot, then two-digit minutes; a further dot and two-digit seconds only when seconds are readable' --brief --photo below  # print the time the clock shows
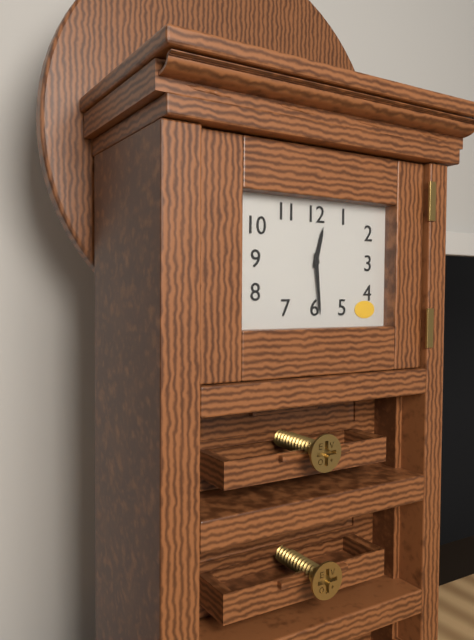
12.29
